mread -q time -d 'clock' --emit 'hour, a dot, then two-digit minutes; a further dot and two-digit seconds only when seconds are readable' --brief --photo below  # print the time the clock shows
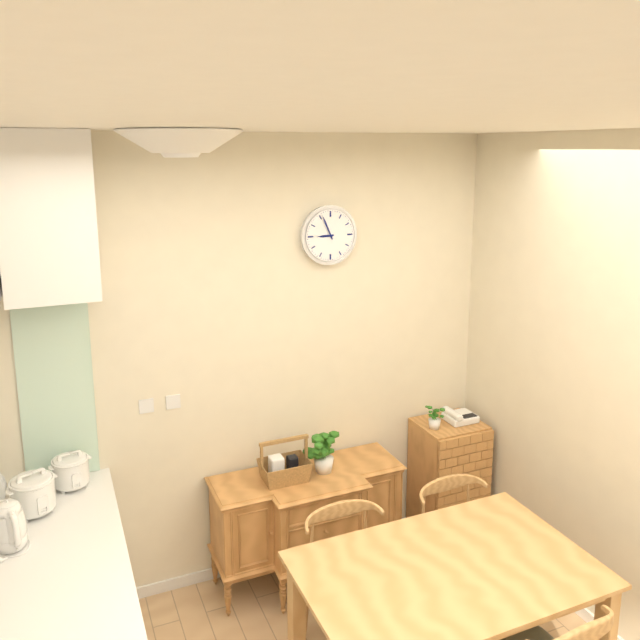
8.56
